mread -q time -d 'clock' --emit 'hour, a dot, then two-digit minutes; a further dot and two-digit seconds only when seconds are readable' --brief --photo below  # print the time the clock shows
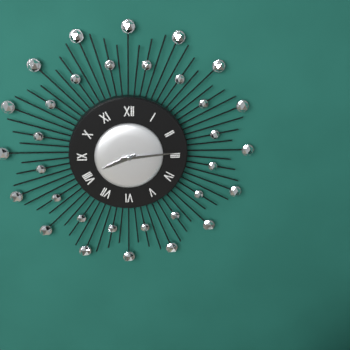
8.14
